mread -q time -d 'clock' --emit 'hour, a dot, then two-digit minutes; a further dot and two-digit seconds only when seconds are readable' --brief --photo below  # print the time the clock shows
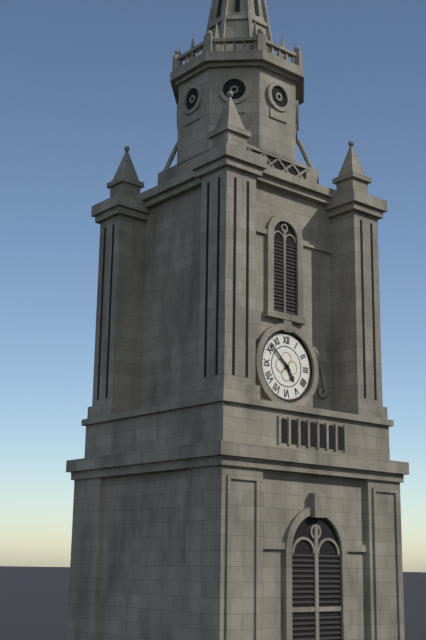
4.52
